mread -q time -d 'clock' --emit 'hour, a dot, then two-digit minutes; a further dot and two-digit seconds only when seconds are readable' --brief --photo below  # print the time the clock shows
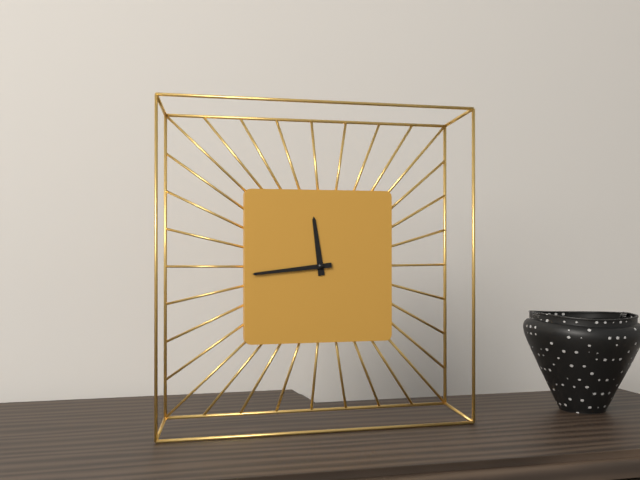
11.44
